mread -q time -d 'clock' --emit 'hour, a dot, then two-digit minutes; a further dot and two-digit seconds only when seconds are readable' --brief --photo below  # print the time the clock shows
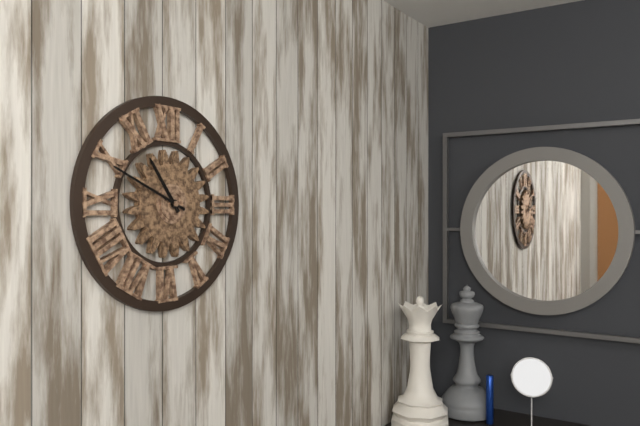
10.49
